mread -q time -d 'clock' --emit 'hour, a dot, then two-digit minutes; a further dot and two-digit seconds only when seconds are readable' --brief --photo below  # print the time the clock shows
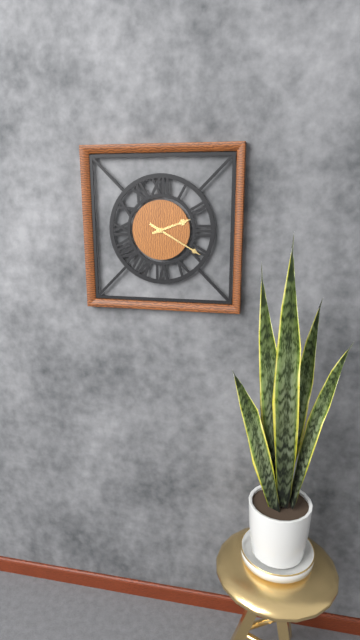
2.20
